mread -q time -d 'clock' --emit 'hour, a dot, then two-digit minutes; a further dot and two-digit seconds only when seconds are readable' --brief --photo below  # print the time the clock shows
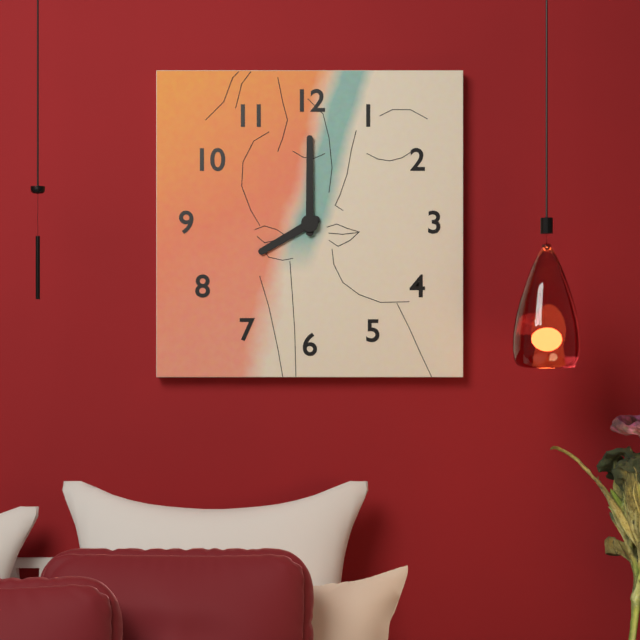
8.00
